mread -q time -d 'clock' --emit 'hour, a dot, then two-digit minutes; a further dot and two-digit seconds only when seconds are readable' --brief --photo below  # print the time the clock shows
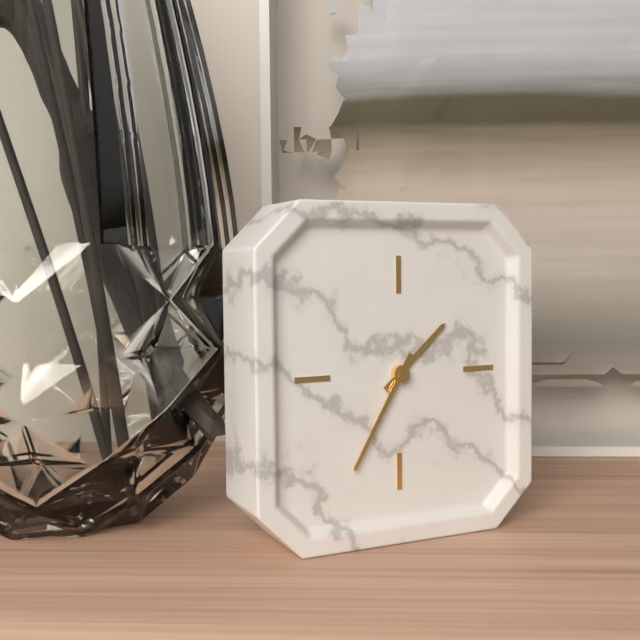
1.35
